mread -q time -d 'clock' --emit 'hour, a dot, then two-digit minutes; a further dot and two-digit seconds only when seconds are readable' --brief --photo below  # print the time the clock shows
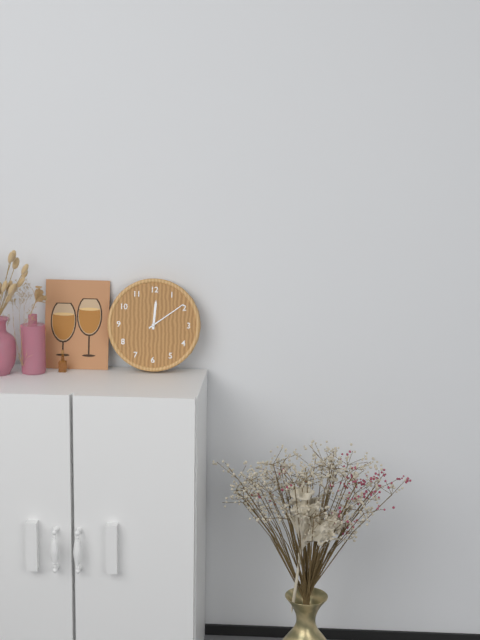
12.09
